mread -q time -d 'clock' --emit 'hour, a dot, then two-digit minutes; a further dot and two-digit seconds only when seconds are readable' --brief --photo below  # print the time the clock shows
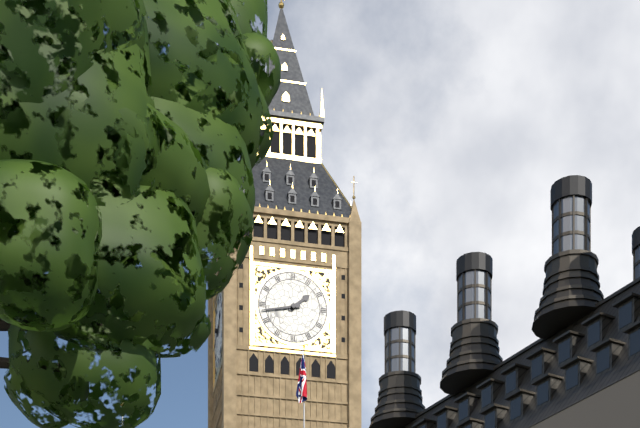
1.43
